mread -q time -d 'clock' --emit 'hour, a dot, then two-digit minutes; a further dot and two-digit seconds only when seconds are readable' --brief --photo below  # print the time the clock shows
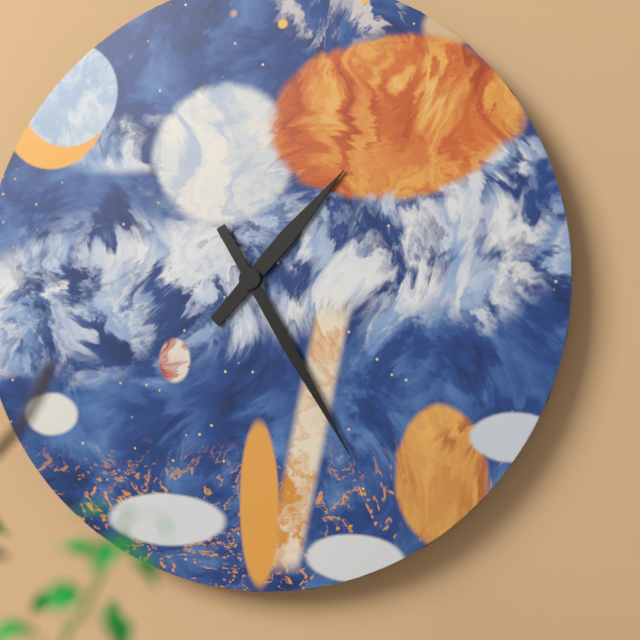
1.25
